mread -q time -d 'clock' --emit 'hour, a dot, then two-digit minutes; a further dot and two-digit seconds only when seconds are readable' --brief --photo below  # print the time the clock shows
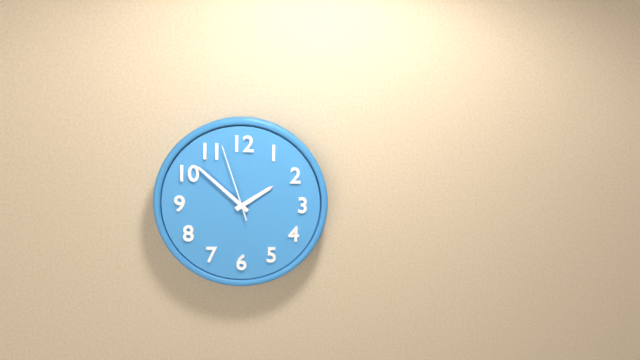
1.52.57
